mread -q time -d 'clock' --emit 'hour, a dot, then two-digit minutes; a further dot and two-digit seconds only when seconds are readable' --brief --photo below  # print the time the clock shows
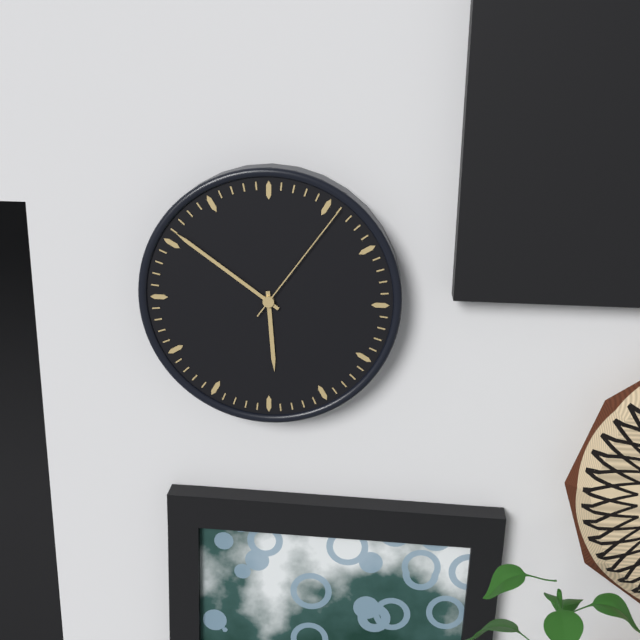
5.51.06
